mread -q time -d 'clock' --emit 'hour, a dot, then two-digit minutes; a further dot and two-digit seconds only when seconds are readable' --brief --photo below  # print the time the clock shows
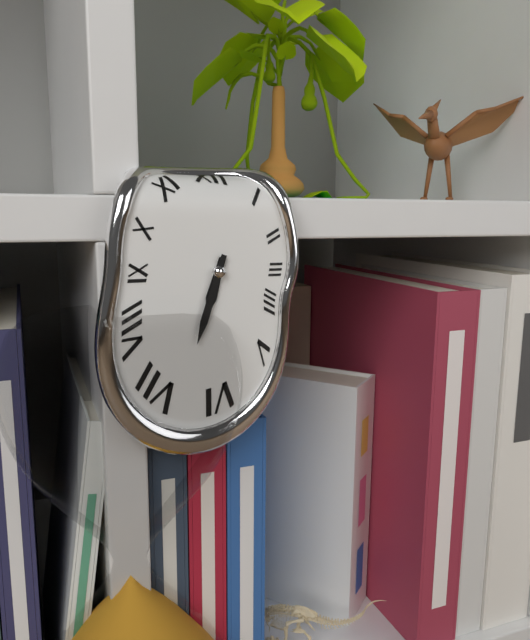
6.33
